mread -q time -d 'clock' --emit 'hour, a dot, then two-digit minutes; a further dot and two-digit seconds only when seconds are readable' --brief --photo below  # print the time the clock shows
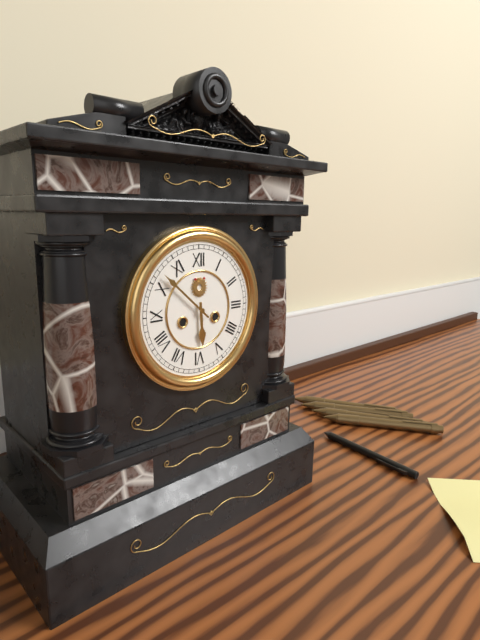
5.52
